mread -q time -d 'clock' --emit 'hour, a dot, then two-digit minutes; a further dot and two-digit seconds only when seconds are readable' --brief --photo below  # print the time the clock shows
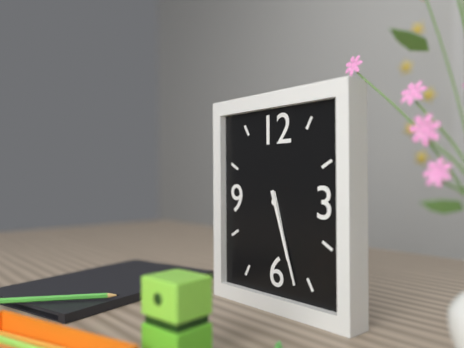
5.27
